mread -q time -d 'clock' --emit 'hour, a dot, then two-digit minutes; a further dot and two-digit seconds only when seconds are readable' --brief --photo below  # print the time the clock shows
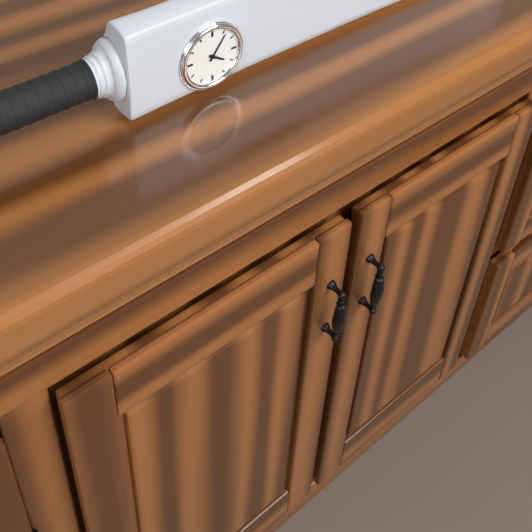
4.06
